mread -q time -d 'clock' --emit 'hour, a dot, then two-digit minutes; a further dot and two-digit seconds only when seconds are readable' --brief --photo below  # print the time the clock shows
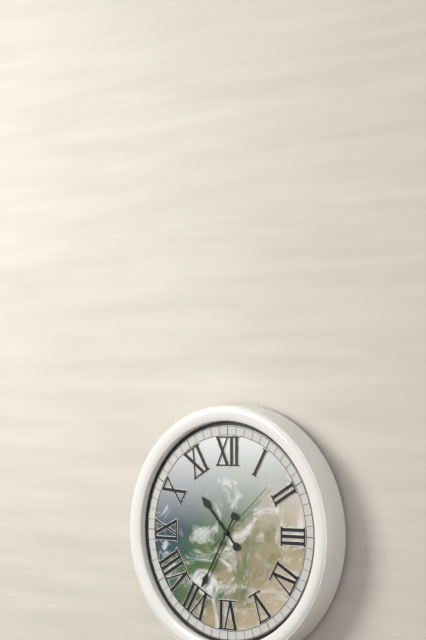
10.35.08
